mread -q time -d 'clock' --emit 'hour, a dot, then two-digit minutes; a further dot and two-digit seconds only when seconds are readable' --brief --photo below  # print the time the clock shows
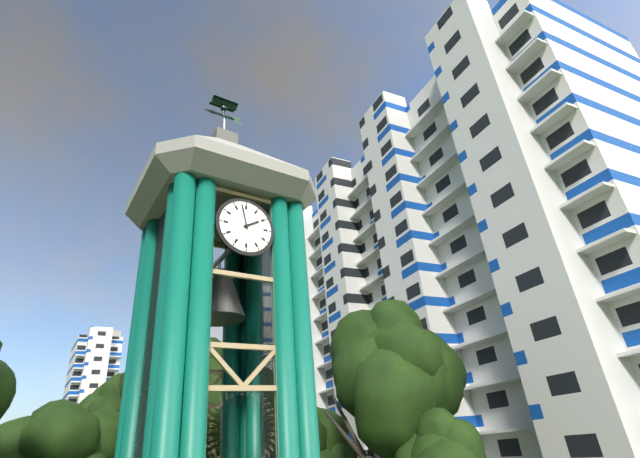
1.58
